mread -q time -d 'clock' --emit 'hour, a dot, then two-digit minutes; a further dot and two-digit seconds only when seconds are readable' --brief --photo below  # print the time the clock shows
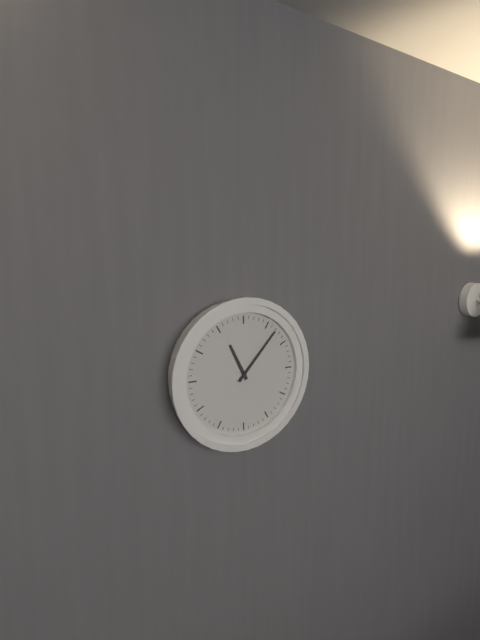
11.07
